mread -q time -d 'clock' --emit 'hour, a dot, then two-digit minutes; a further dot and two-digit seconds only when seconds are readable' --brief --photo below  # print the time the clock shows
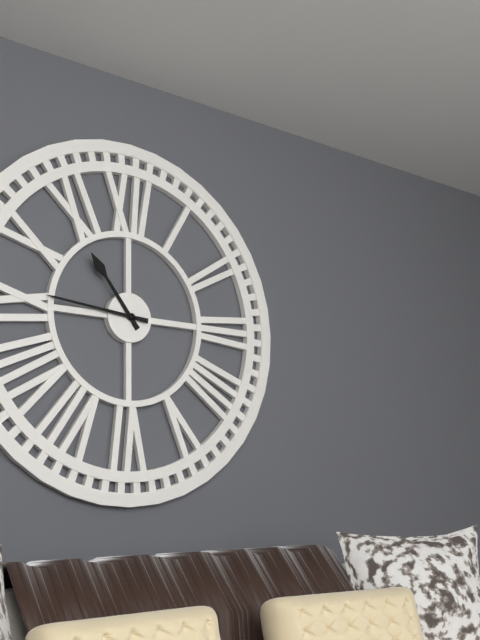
10.46
